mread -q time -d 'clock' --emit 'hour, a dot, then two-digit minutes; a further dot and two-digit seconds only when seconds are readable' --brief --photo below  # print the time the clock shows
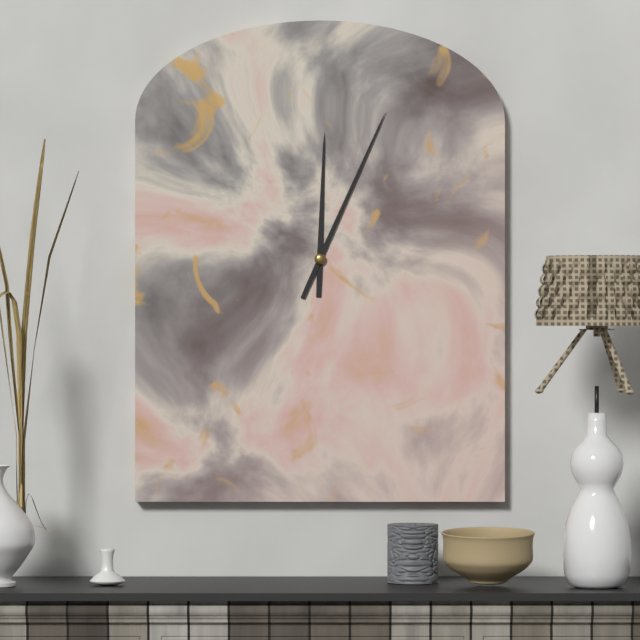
12.04
